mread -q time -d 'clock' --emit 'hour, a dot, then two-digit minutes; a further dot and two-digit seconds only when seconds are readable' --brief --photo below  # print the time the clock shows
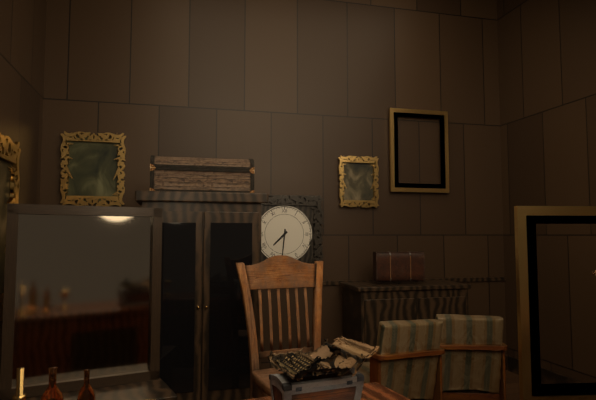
7.31
